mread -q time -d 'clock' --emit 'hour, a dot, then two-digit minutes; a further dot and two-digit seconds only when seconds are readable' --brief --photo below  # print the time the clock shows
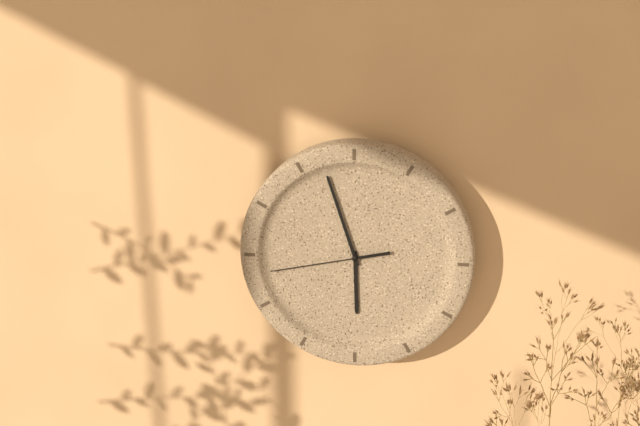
5.57.43
